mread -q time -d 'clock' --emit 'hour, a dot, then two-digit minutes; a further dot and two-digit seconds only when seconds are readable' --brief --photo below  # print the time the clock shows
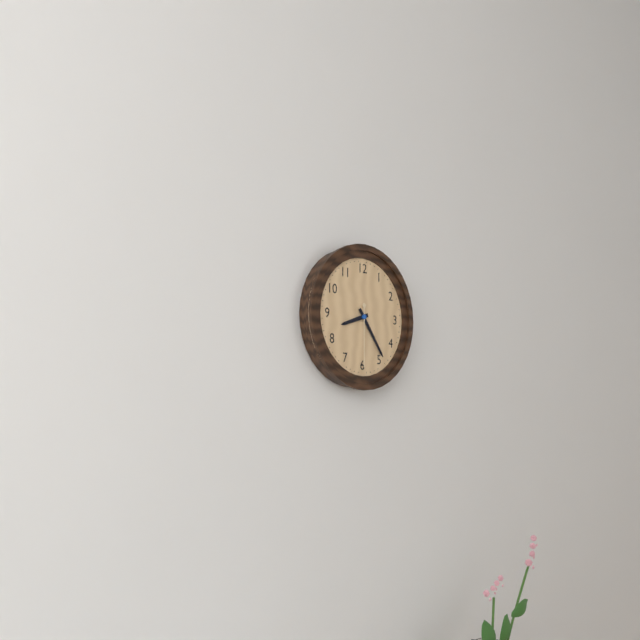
8.24.30
